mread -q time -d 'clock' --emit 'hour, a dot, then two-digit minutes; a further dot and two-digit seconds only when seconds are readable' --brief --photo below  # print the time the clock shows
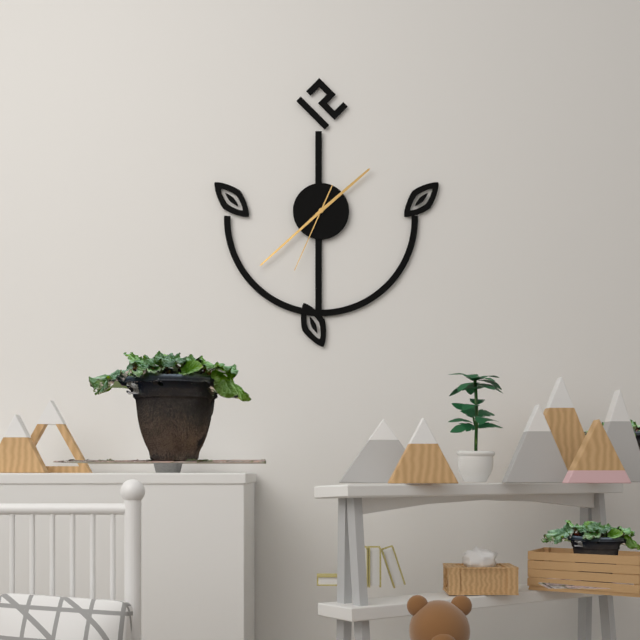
1.38.34
